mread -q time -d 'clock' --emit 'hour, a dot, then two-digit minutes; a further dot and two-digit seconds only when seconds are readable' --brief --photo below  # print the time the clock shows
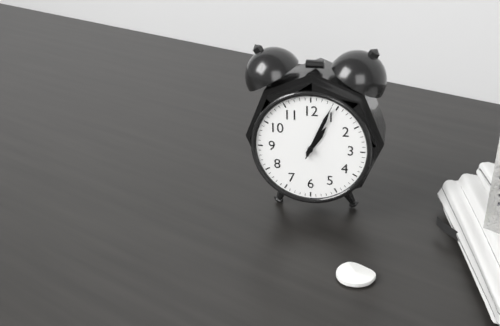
1.04.04
